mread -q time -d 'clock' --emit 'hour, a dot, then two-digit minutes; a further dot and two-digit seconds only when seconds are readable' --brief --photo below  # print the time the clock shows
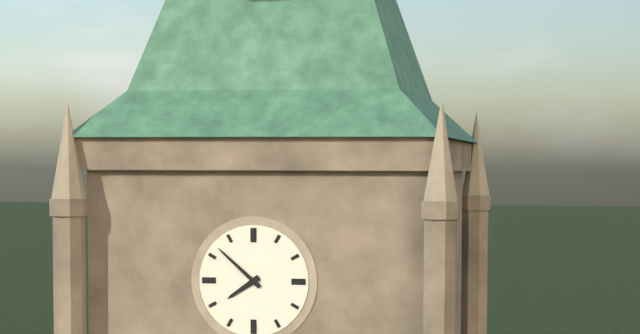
7.52
